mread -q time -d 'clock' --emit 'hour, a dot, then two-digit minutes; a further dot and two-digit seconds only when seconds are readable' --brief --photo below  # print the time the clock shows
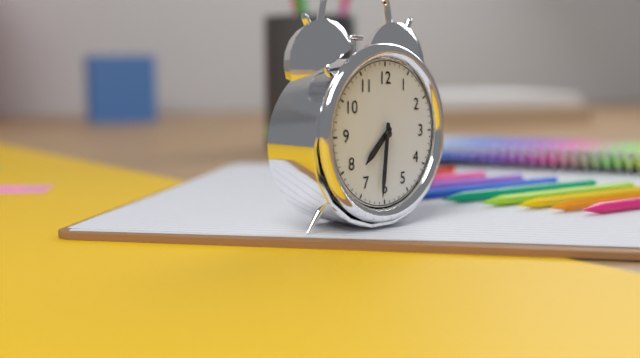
7.31
